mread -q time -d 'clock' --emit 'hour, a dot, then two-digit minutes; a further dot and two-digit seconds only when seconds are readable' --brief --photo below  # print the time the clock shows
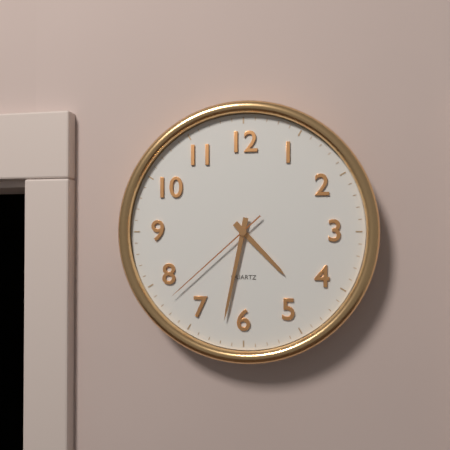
4.32.38
